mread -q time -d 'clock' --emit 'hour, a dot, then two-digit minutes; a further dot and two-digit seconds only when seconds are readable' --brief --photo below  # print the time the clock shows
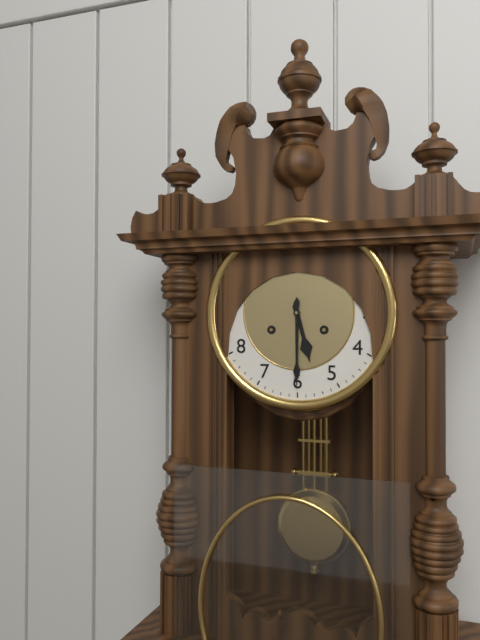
5.30
